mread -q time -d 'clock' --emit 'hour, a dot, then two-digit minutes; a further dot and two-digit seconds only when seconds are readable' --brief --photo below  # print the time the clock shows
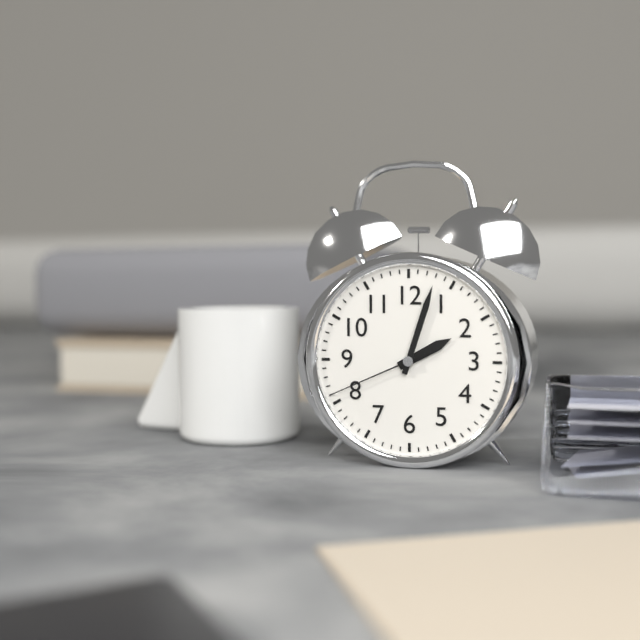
2.03.41
